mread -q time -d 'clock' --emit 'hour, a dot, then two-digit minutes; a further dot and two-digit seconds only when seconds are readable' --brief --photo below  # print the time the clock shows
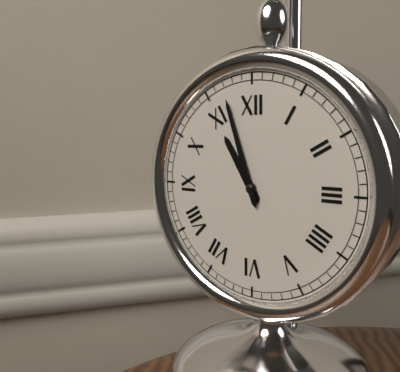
10.57
